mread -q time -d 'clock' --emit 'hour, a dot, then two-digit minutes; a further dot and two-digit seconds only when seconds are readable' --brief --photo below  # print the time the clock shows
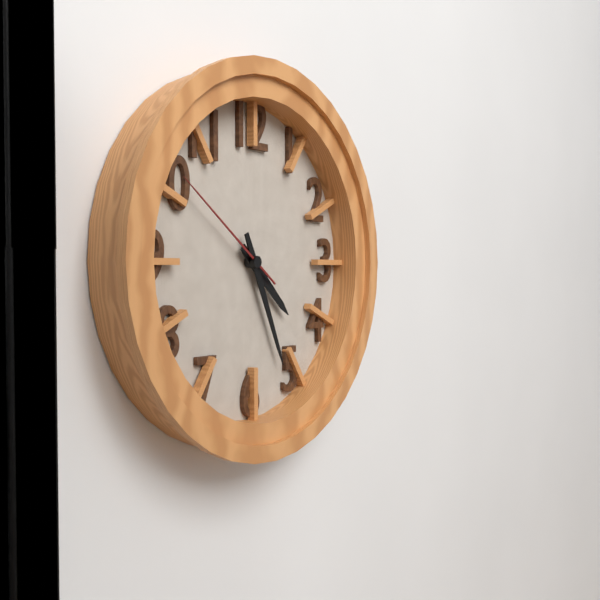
4.26.51
